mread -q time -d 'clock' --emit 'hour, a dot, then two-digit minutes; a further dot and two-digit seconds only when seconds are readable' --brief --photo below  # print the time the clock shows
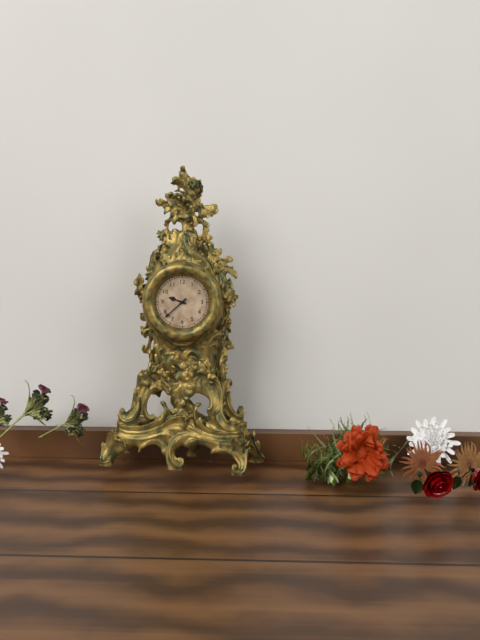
9.38
